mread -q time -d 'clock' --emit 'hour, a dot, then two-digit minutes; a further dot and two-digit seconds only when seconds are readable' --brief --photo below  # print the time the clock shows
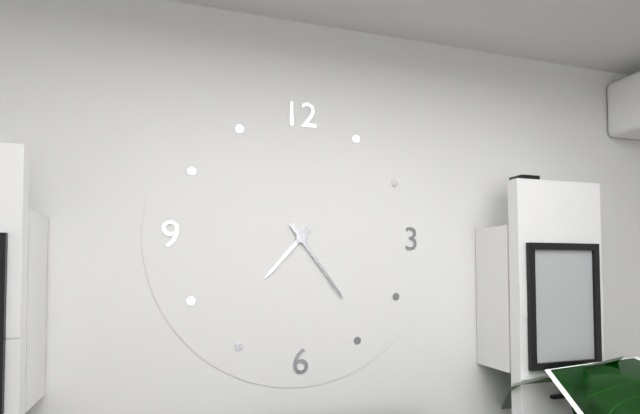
7.24
